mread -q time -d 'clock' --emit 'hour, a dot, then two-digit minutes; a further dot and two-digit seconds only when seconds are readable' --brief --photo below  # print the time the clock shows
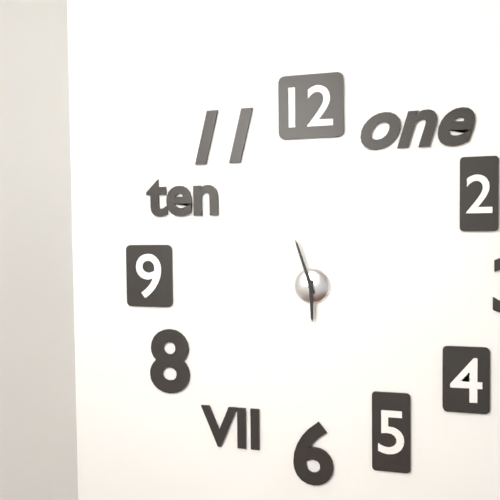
5.57
